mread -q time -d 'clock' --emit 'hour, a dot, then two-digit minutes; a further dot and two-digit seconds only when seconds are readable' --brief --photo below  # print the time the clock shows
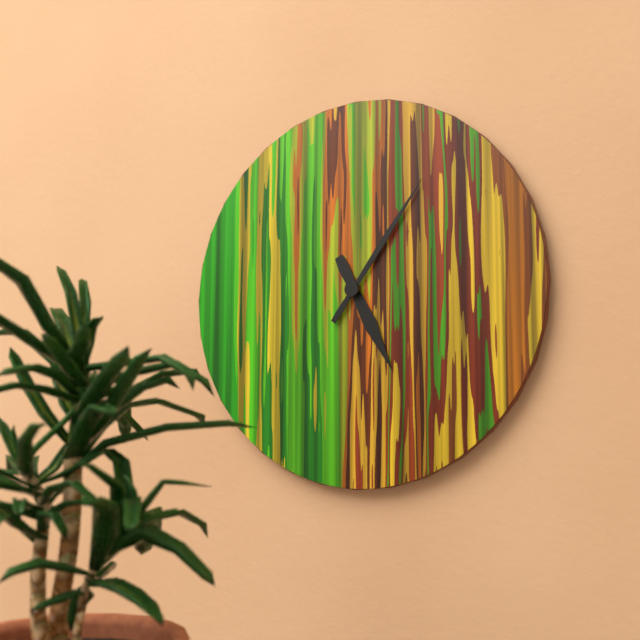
5.06
